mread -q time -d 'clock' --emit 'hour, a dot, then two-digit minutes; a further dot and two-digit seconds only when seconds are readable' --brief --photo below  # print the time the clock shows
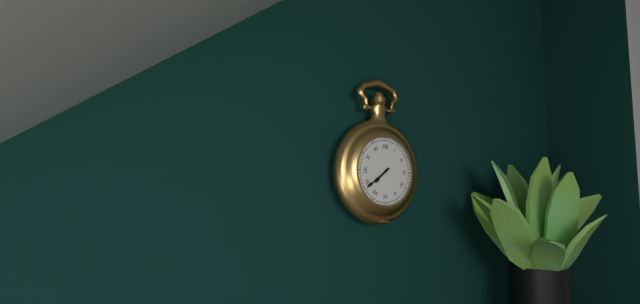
7.39
